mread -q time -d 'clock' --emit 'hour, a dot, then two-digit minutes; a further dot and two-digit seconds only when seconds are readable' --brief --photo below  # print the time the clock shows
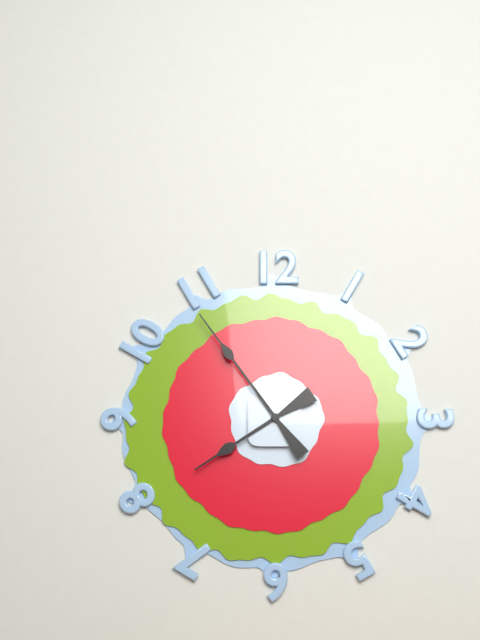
7.54
